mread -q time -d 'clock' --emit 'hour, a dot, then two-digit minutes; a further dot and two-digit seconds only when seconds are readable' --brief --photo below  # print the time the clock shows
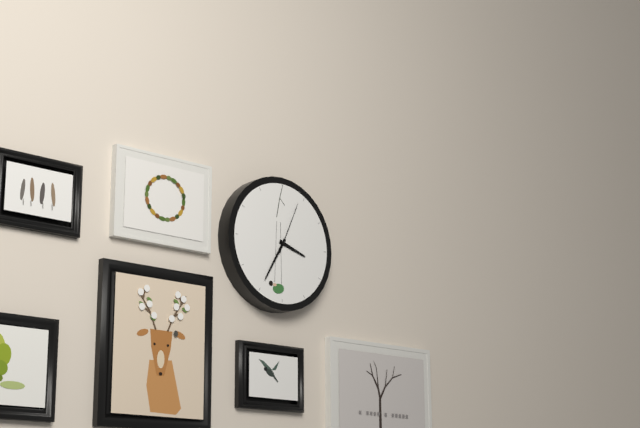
3.35.04
